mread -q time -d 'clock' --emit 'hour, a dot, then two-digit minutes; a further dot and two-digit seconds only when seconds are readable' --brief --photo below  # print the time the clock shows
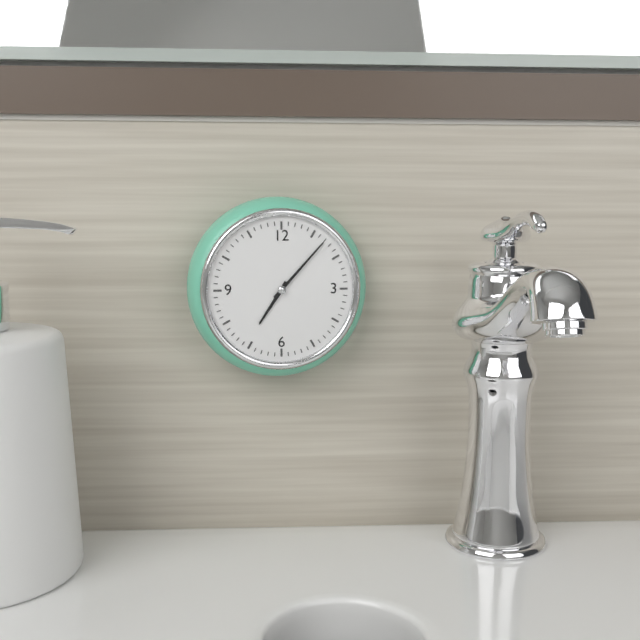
7.07
